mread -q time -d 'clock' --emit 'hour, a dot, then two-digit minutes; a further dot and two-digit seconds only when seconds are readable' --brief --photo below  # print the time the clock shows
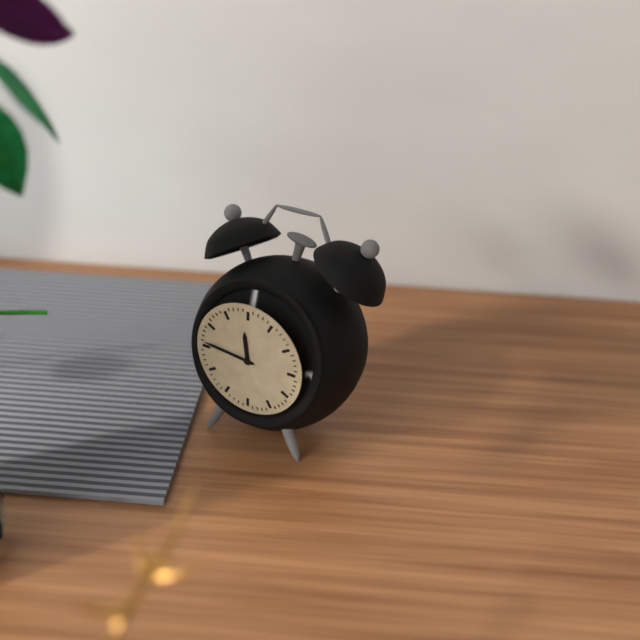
11.46
